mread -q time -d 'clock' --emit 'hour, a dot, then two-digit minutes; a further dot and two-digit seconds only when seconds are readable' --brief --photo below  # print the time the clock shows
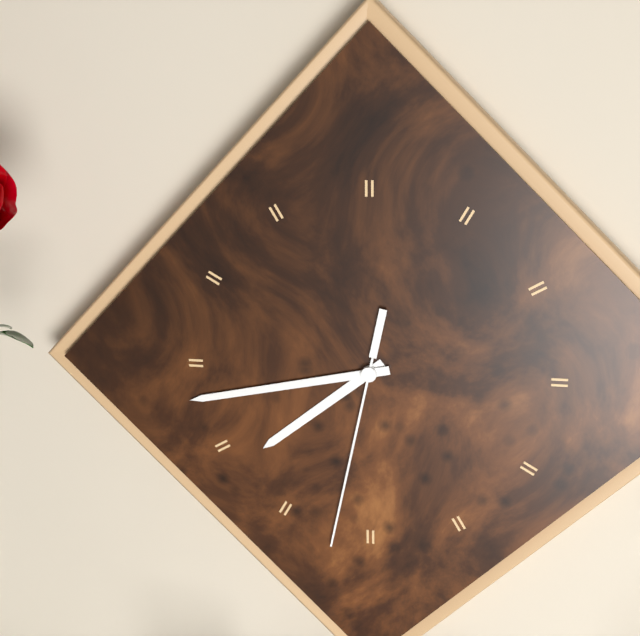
7.43.32
